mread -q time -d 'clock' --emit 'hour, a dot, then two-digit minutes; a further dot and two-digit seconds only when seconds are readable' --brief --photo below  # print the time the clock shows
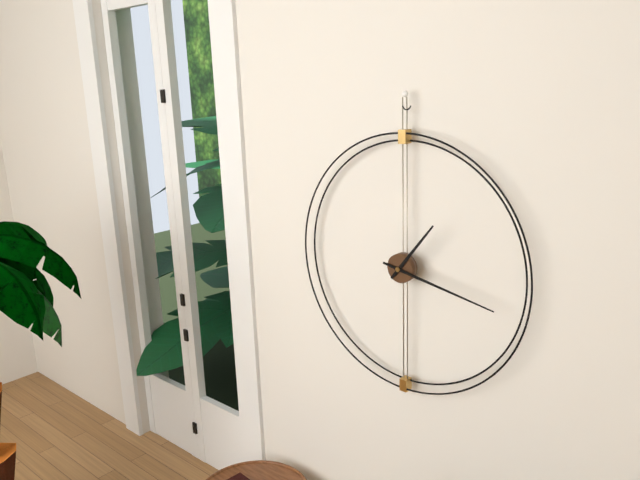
1.17
